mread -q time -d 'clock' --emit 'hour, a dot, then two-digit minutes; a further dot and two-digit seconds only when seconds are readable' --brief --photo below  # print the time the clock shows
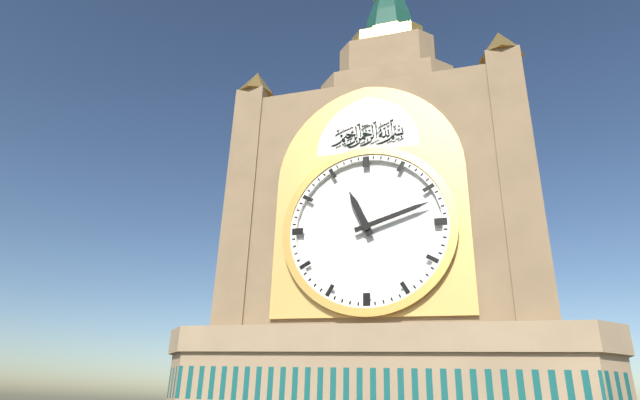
11.12
